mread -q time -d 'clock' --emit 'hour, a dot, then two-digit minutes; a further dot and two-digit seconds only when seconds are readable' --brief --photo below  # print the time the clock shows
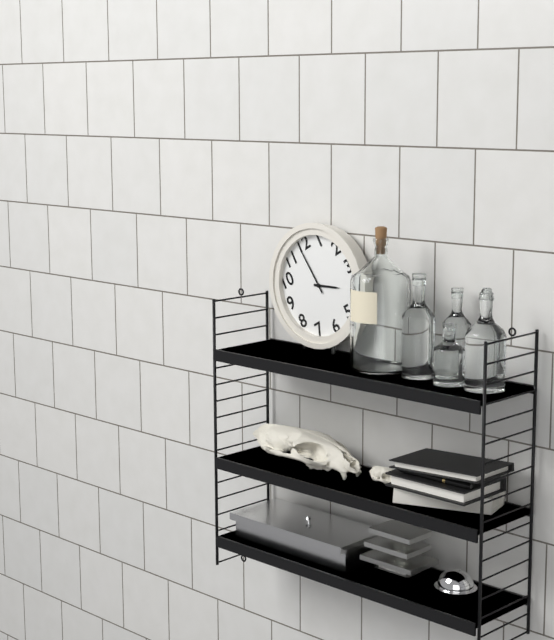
3.59
